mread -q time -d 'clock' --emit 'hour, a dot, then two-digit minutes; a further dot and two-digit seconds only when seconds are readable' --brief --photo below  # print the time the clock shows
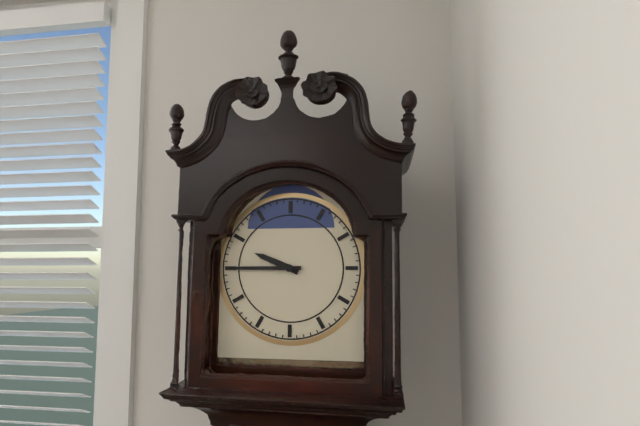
9.45
